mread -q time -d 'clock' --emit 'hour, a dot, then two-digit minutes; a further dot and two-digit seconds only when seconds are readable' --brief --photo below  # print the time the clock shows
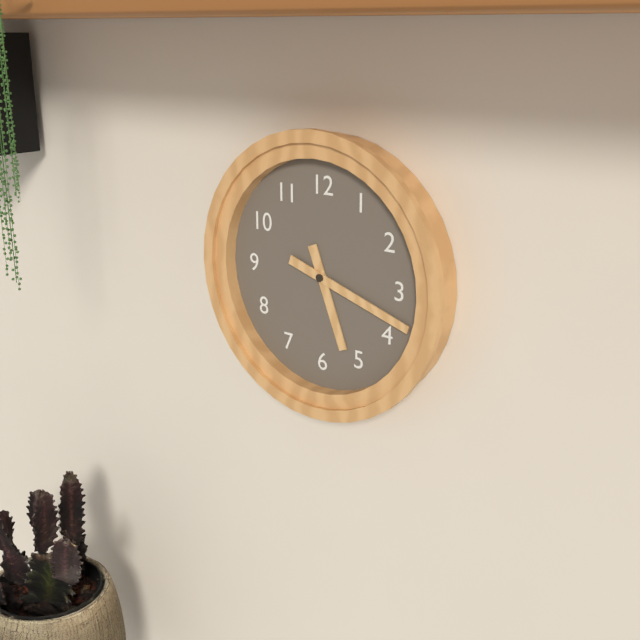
5.18
